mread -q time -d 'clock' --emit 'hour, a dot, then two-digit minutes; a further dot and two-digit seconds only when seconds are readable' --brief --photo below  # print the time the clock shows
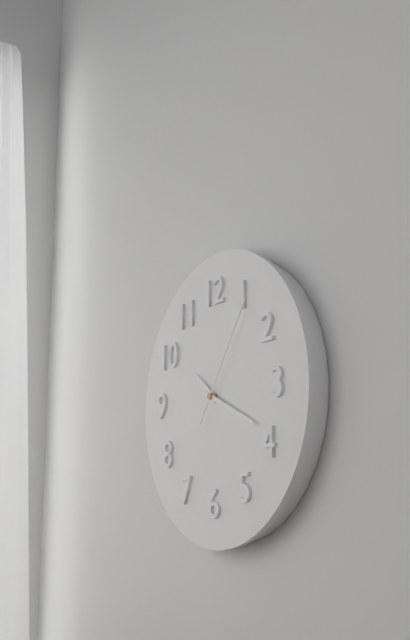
10.19.06
